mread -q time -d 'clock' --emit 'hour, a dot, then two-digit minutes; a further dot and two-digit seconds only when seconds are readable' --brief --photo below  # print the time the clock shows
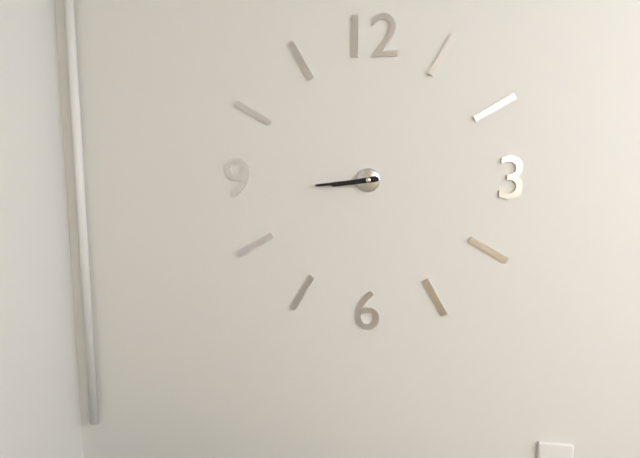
8.44
